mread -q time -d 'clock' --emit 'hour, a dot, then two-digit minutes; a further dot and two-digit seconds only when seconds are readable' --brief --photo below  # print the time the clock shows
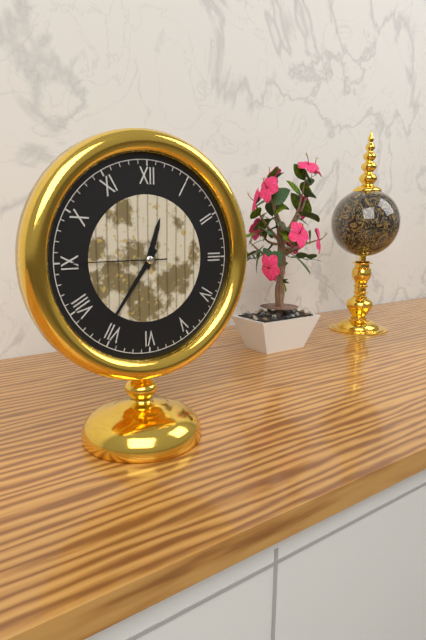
12.36.45
